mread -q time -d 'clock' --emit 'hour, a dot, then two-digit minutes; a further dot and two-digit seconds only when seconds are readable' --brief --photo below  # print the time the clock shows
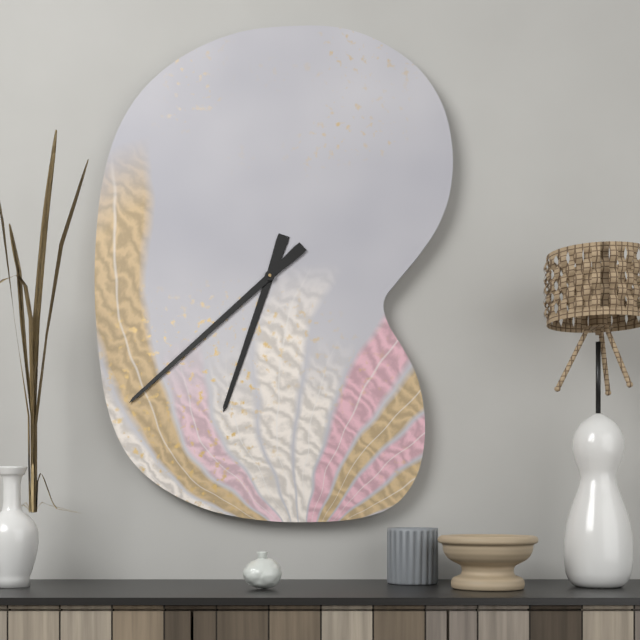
6.38
